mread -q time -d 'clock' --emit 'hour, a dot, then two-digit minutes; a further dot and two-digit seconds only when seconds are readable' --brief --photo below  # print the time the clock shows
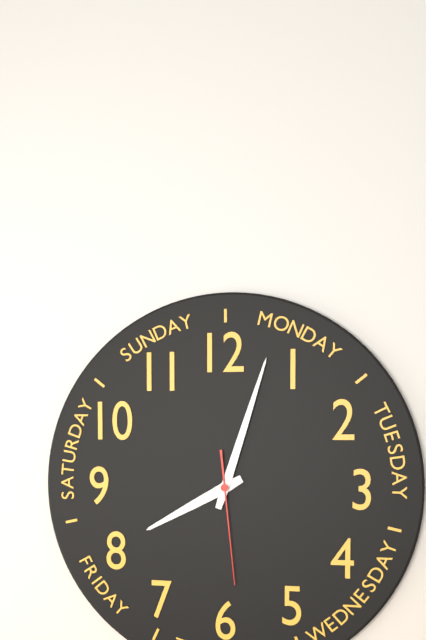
8.03.29
